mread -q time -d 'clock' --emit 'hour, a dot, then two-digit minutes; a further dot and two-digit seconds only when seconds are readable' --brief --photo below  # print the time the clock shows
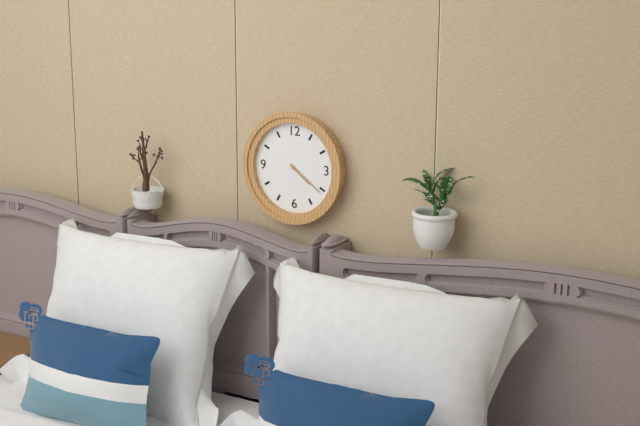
4.21
